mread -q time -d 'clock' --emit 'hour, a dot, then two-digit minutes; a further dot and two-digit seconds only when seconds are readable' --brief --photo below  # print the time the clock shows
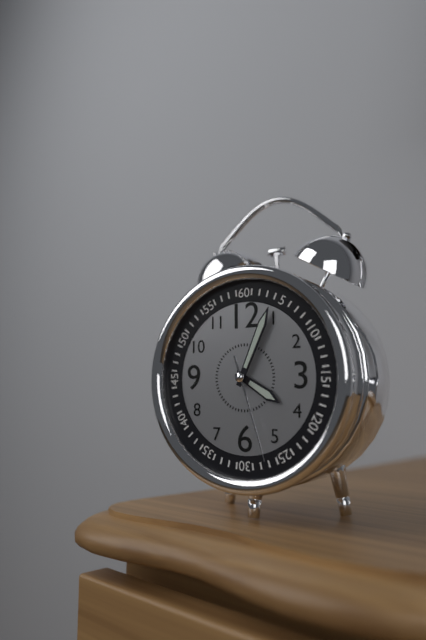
4.04.27
